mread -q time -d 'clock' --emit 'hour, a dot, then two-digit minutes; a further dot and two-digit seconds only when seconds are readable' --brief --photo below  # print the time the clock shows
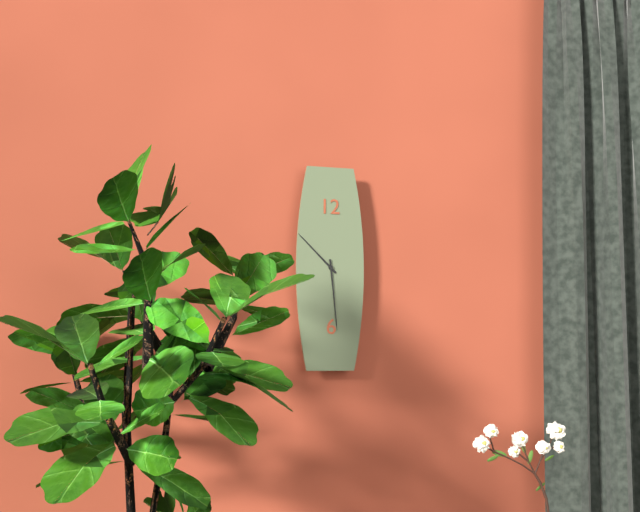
10.29
